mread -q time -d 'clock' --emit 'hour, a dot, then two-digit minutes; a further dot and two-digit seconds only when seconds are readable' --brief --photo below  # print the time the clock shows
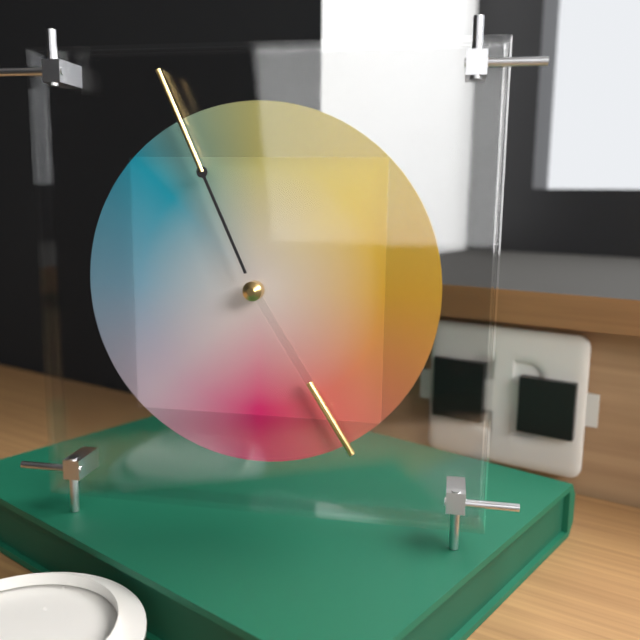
4.56
